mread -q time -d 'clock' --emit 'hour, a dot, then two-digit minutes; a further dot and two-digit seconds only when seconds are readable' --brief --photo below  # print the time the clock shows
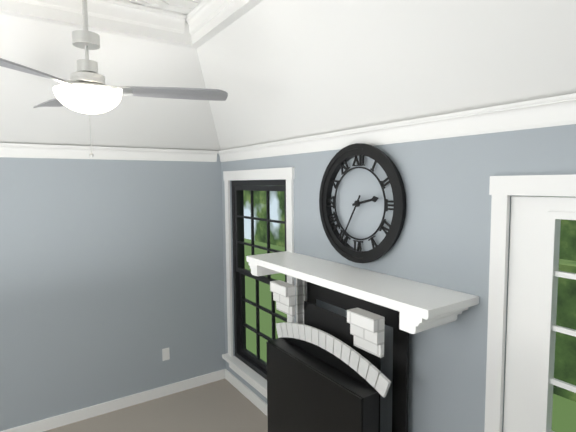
2.35
